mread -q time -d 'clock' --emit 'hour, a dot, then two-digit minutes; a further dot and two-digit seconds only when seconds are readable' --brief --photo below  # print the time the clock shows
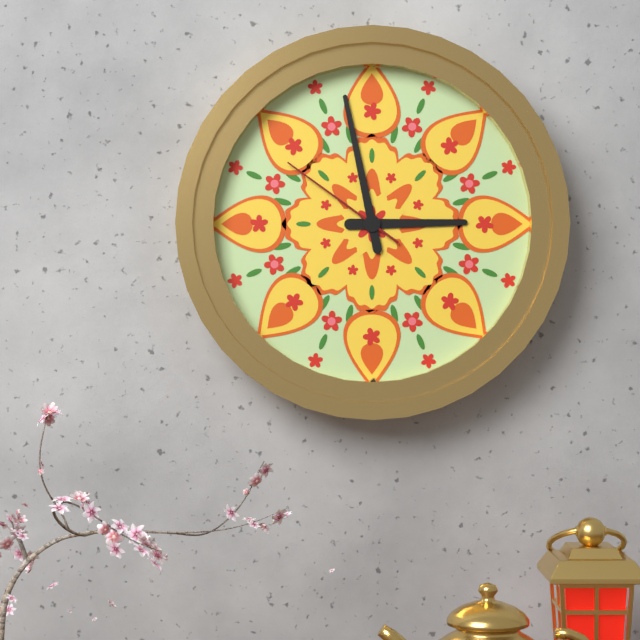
2.58.51
